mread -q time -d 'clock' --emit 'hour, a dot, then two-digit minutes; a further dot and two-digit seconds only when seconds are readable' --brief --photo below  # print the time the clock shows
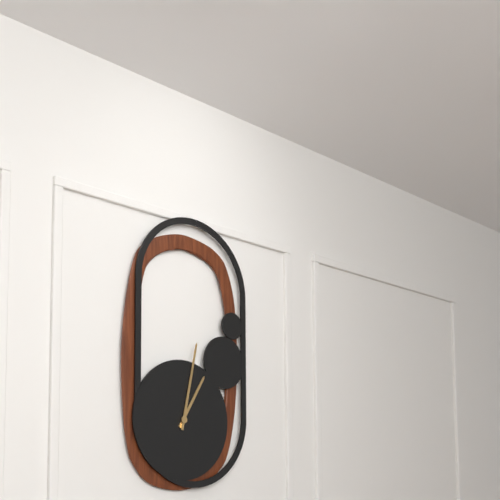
1.02
